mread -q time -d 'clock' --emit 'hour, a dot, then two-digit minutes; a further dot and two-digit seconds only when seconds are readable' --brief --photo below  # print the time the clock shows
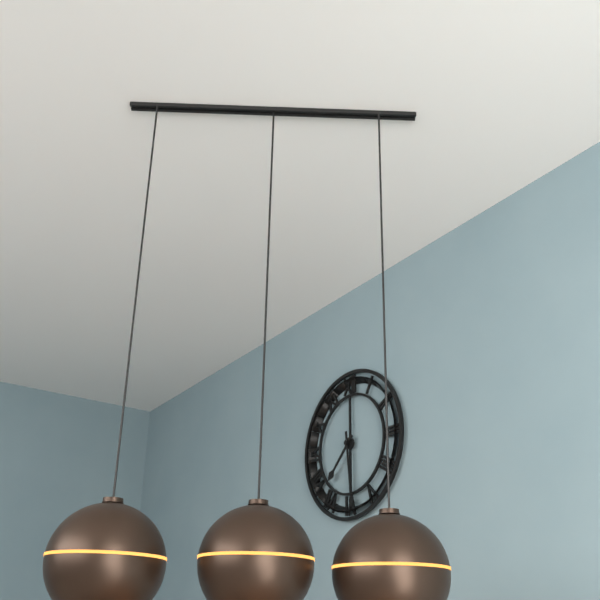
7.29
